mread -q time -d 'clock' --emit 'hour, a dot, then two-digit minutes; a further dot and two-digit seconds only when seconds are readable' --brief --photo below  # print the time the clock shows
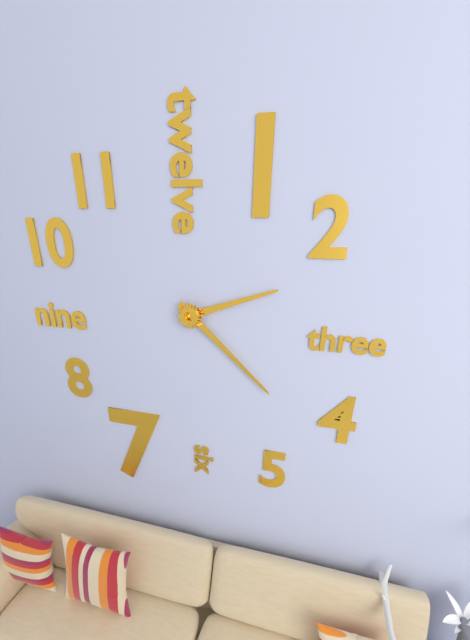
2.22
